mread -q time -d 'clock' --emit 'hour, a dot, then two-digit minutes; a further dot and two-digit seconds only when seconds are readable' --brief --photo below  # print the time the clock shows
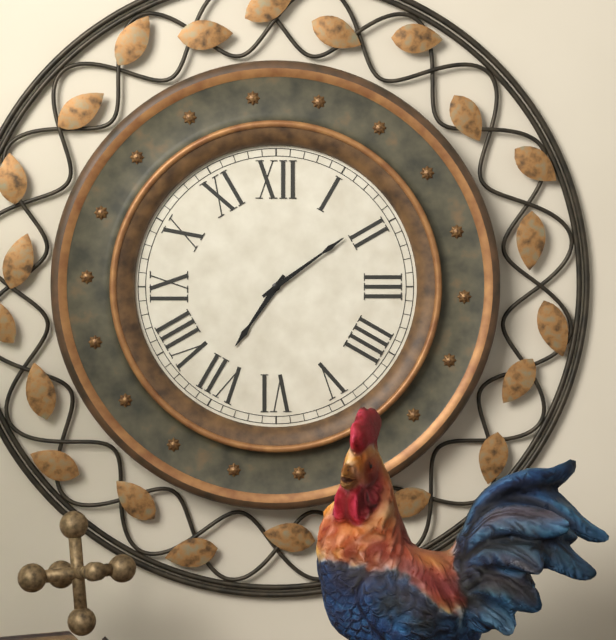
7.09
